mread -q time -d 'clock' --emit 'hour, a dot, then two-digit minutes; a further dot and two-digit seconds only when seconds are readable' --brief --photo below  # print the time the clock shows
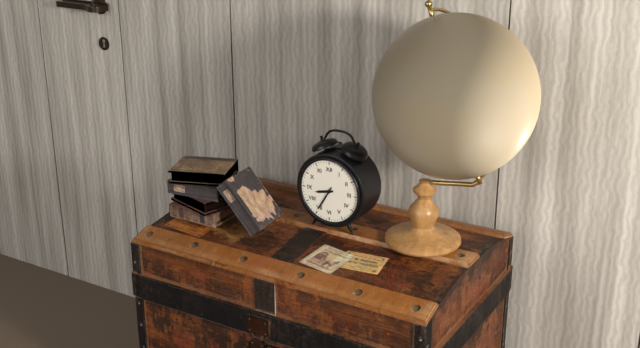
8.35
